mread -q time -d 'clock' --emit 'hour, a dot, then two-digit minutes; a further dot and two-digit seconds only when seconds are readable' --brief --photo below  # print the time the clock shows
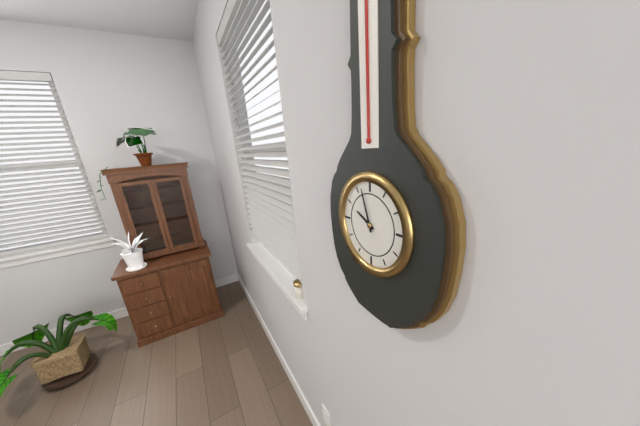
9.57
